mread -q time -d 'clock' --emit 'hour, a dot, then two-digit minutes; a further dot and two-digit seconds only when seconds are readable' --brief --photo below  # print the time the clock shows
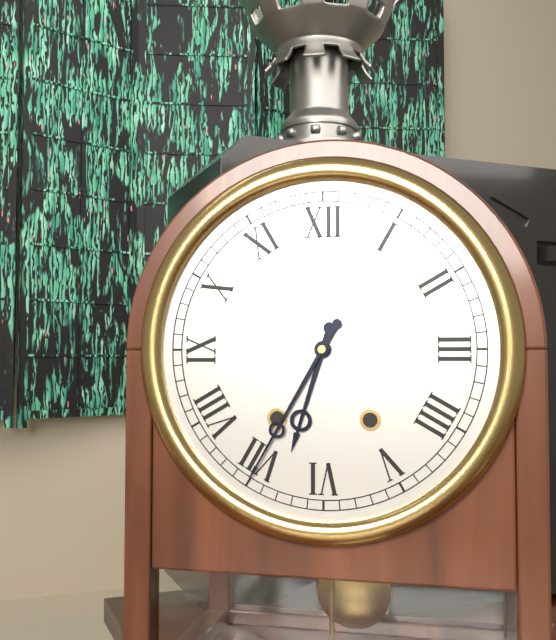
6.35
